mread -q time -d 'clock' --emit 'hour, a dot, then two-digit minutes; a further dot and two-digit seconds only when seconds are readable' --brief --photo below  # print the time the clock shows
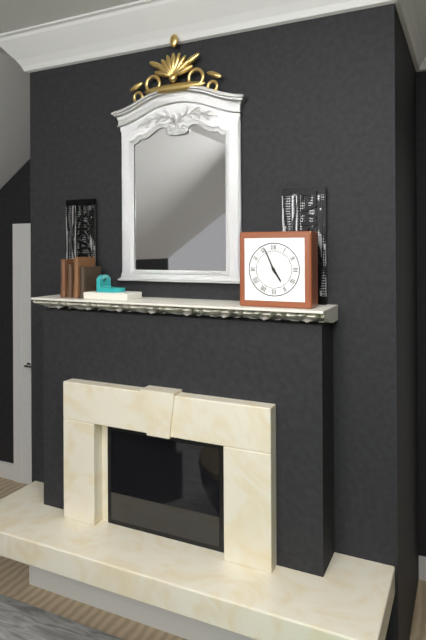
4.56
